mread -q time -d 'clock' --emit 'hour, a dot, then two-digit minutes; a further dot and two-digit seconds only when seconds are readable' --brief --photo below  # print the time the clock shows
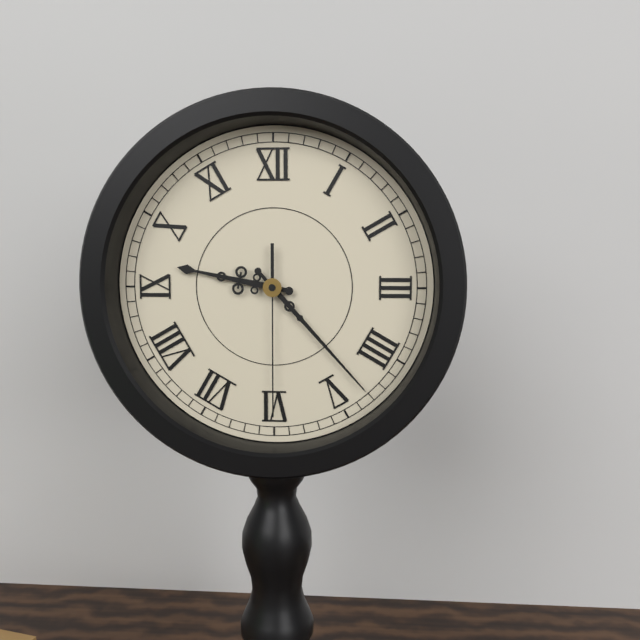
9.23.30
